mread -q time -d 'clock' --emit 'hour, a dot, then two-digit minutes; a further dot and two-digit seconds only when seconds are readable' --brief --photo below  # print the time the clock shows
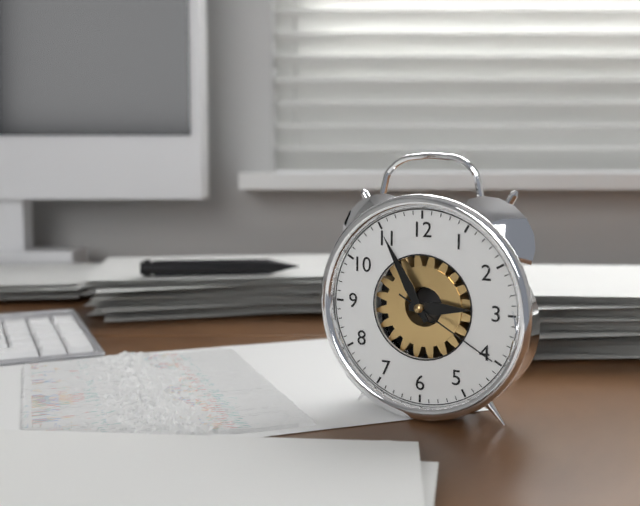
2.55.20
